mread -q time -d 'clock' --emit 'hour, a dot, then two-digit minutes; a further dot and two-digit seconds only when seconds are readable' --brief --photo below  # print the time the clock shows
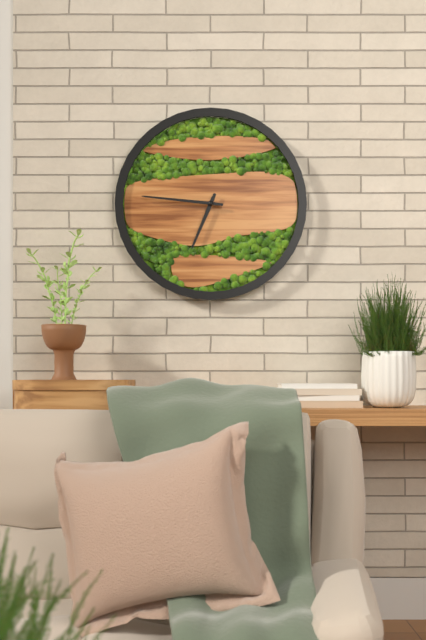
6.46
